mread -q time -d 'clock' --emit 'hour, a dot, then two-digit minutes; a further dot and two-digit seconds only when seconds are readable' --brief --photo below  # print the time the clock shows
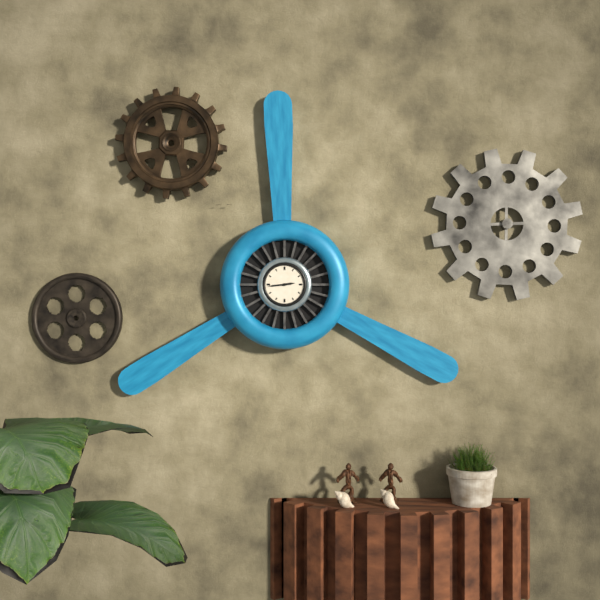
2.44
